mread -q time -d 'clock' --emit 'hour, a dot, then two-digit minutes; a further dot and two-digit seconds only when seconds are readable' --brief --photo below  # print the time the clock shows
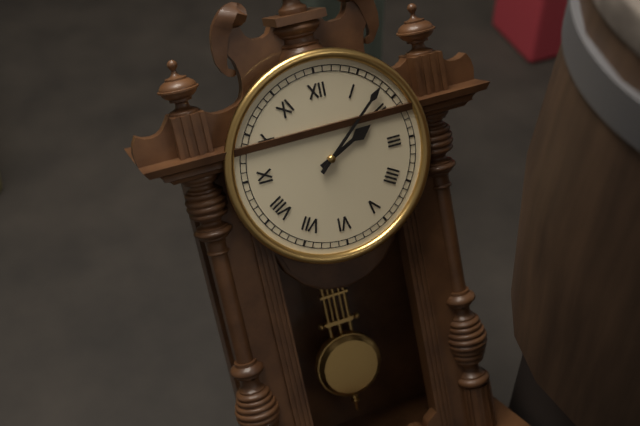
2.08
